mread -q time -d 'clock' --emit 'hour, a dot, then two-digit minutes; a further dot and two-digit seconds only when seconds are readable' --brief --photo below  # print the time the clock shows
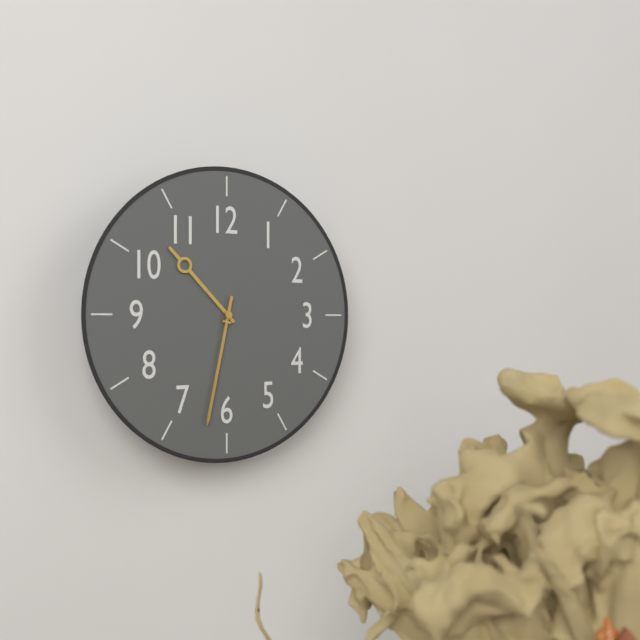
10.32
